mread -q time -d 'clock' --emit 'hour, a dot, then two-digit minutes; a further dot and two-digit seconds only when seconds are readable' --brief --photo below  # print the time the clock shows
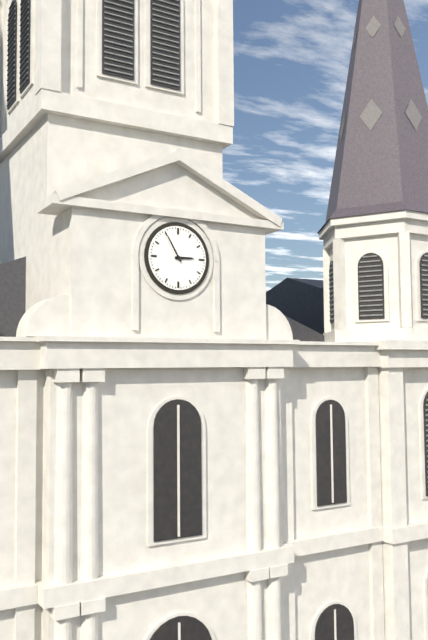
2.55
